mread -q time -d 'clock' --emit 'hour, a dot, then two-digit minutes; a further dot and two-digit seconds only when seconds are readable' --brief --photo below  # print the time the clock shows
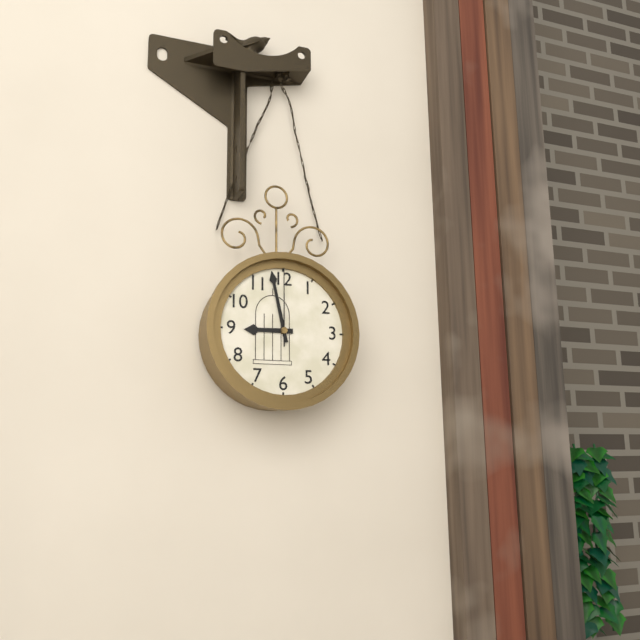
8.58.00
